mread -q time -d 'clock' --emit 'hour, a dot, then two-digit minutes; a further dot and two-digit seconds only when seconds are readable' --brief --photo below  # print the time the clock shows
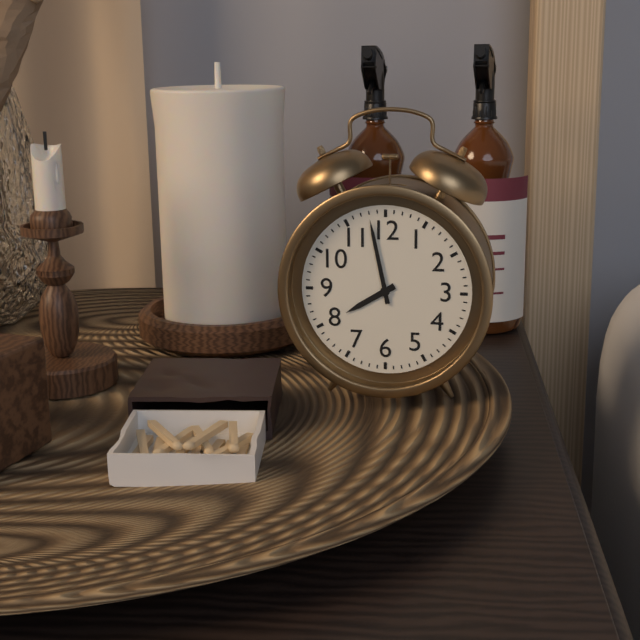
7.58
